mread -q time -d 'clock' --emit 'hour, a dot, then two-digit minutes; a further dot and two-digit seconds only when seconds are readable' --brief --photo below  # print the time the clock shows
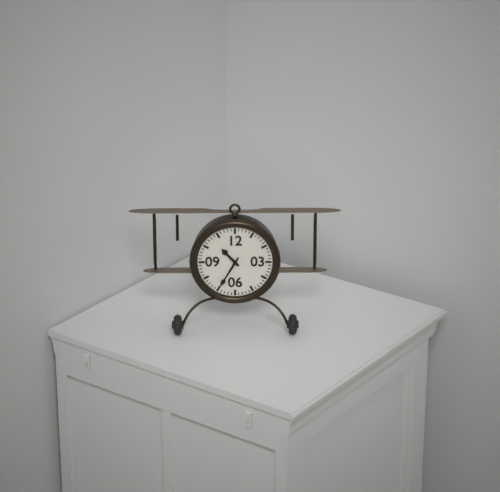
10.35
